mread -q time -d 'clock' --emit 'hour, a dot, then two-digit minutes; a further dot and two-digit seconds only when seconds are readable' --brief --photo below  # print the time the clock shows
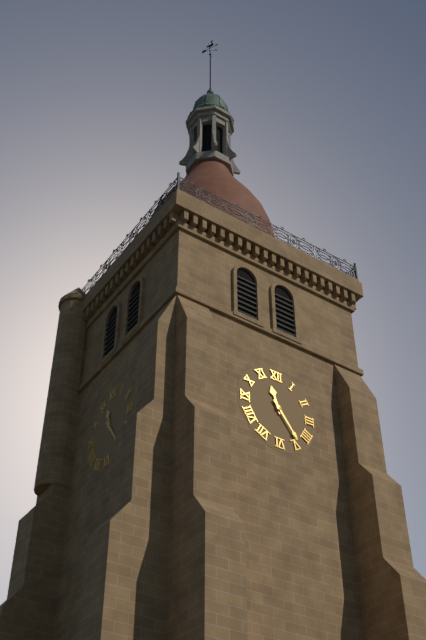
11.24
